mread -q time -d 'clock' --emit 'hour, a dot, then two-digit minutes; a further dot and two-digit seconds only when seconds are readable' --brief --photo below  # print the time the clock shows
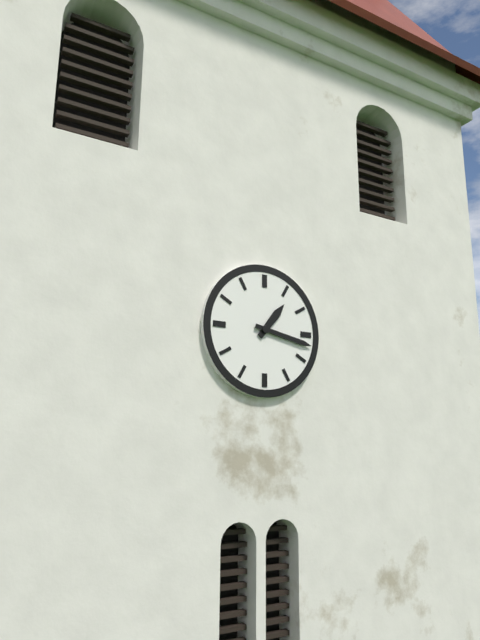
1.17
